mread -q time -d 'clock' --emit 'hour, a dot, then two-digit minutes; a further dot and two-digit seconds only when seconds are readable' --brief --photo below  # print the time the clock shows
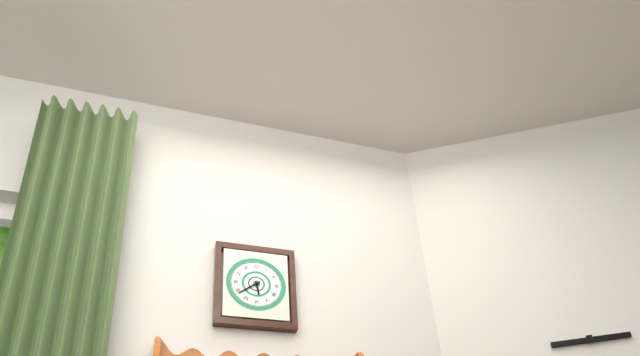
5.39
